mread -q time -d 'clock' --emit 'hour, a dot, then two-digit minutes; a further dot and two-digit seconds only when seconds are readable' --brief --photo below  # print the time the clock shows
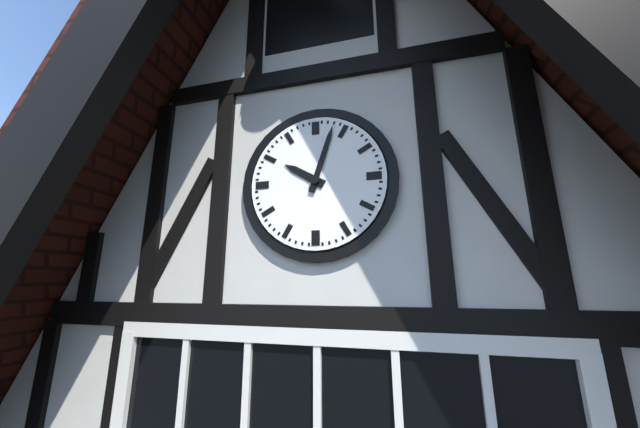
10.03
